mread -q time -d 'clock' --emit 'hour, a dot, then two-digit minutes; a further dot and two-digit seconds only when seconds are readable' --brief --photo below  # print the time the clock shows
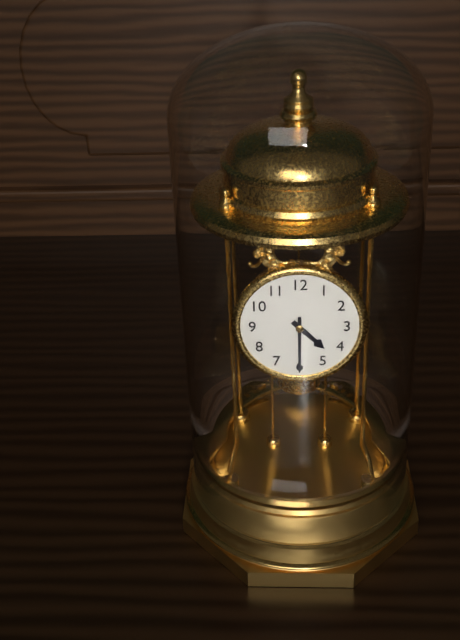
4.30
